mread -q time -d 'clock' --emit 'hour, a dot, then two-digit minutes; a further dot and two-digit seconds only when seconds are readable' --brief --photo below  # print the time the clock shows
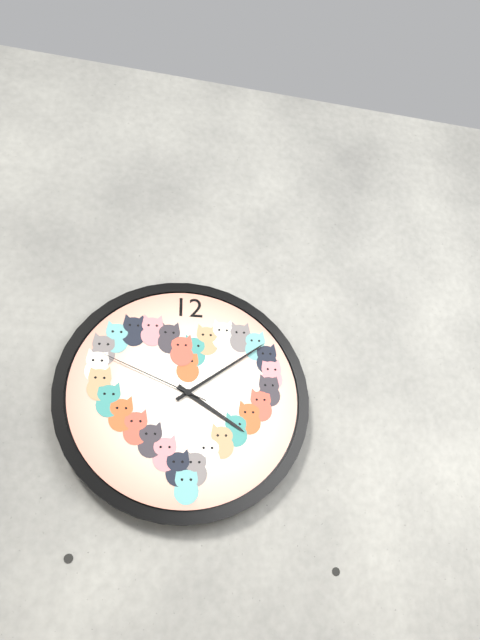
4.09.49
